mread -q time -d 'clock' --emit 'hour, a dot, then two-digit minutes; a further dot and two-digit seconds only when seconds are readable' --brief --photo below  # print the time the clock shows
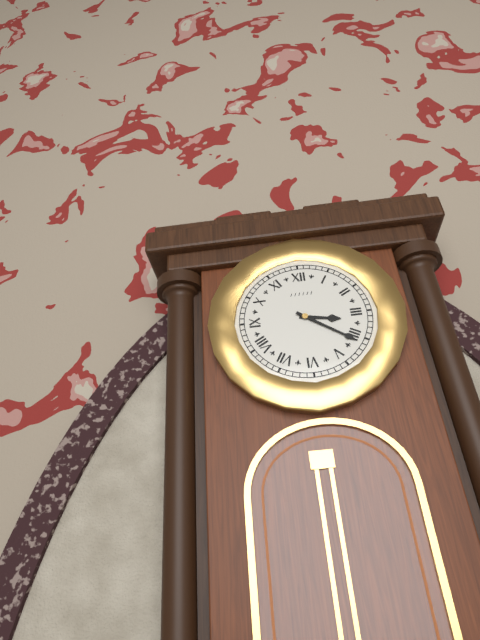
3.21
